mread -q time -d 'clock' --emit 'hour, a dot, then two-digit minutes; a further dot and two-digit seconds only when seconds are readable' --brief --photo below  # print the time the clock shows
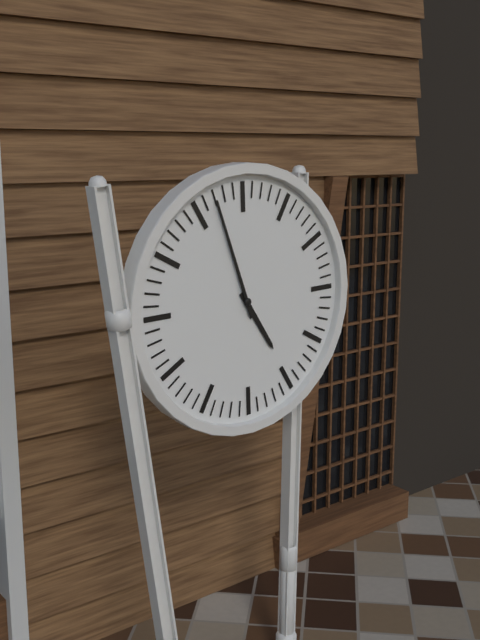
4.57
